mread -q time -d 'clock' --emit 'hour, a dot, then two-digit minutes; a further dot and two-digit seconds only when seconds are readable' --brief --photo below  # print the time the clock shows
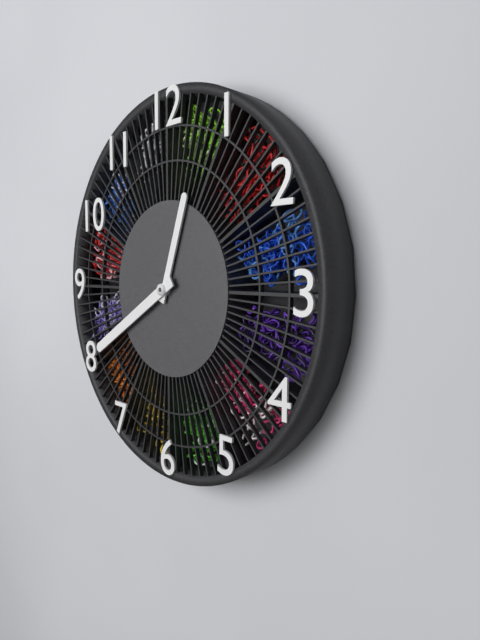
12.40
